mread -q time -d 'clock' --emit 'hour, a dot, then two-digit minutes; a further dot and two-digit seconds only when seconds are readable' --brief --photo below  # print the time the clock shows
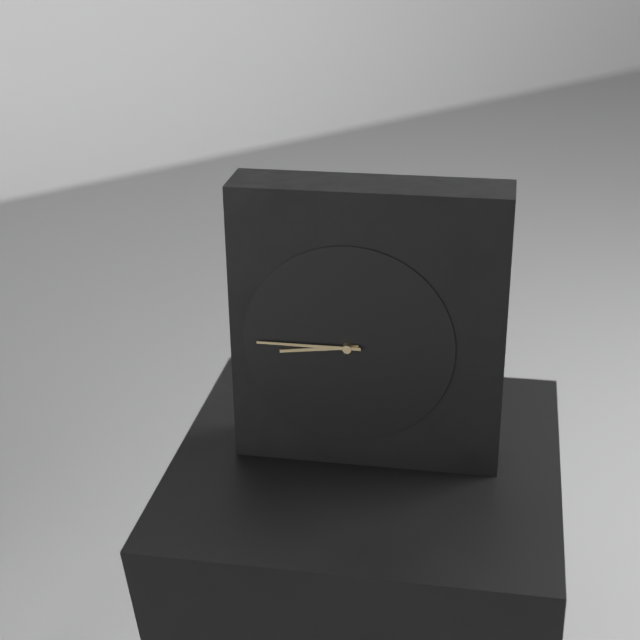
8.45
